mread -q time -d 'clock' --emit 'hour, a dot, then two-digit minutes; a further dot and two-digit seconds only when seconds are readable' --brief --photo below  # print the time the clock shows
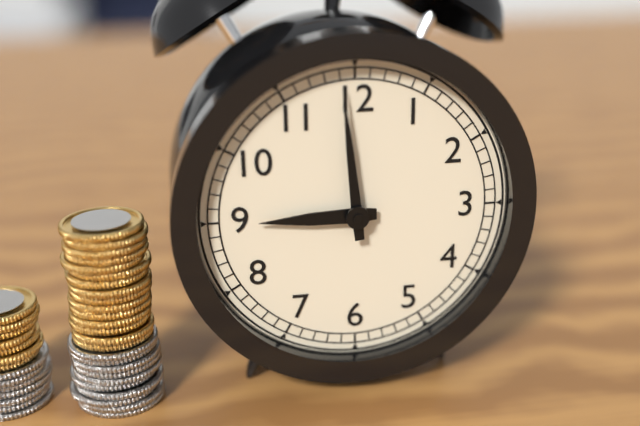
8.59
